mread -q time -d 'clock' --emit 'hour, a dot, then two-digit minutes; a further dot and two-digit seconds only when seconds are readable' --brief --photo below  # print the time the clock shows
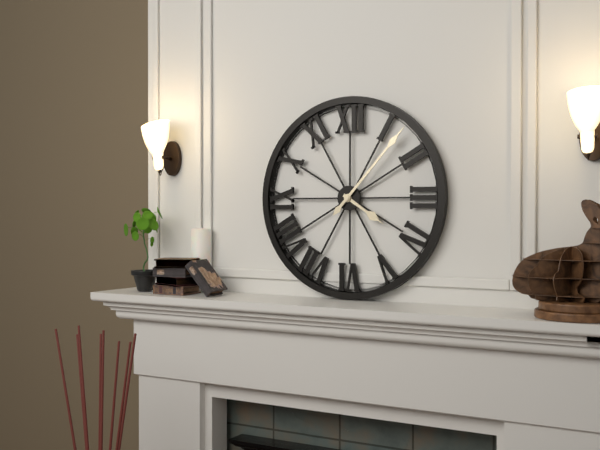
4.07
